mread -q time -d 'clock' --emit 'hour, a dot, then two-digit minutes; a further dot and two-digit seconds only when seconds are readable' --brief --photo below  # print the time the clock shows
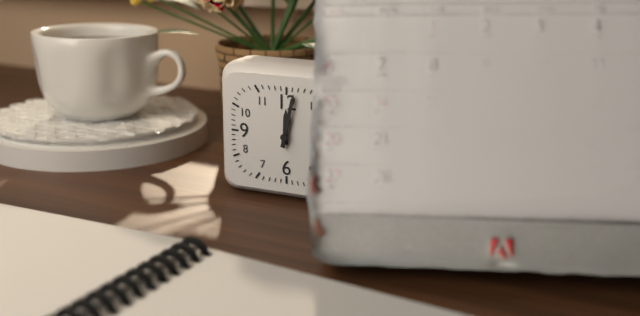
12.02
